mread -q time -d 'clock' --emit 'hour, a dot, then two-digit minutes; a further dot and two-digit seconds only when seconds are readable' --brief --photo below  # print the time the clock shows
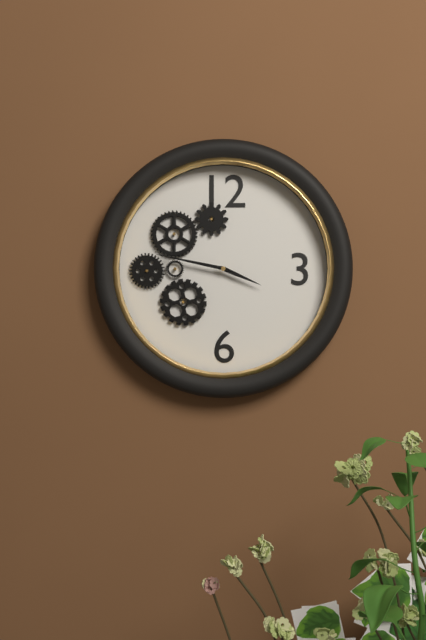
3.47
